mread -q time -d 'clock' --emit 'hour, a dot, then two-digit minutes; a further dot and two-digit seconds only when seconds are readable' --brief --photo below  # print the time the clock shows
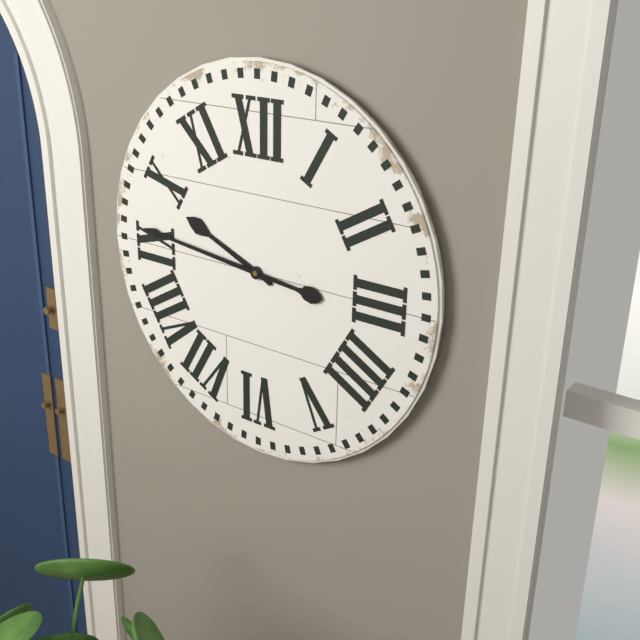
9.46
